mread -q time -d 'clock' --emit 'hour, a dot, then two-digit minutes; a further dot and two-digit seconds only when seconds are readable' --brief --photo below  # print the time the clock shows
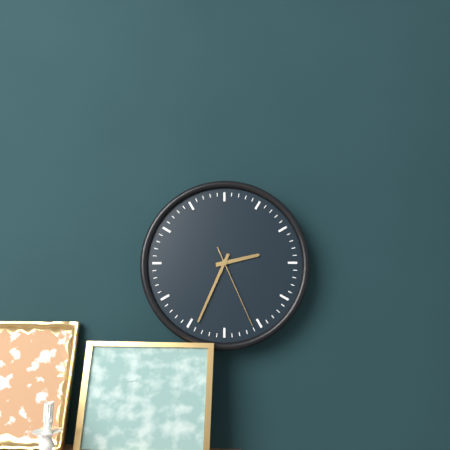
2.34.26
